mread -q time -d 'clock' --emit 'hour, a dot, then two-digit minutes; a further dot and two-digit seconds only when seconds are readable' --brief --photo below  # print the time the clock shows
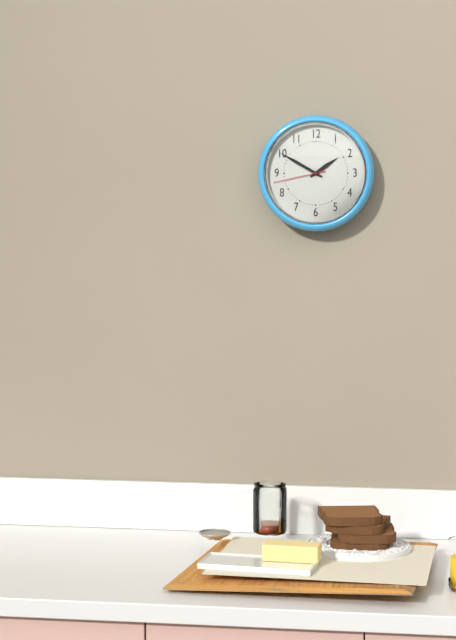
1.50.43
